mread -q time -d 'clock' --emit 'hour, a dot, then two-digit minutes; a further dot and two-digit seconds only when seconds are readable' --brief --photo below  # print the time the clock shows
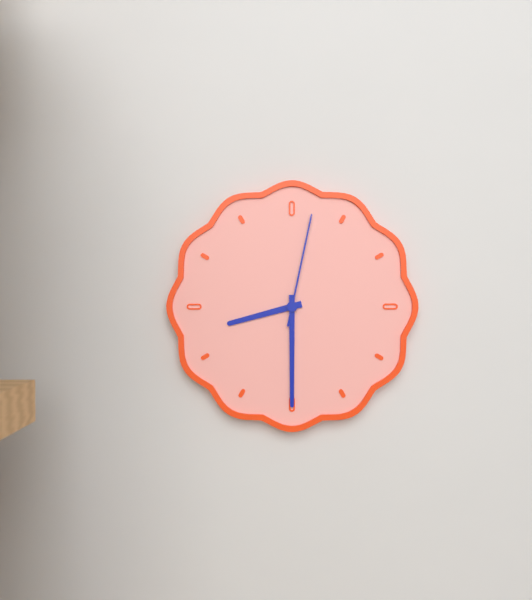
8.30.02
